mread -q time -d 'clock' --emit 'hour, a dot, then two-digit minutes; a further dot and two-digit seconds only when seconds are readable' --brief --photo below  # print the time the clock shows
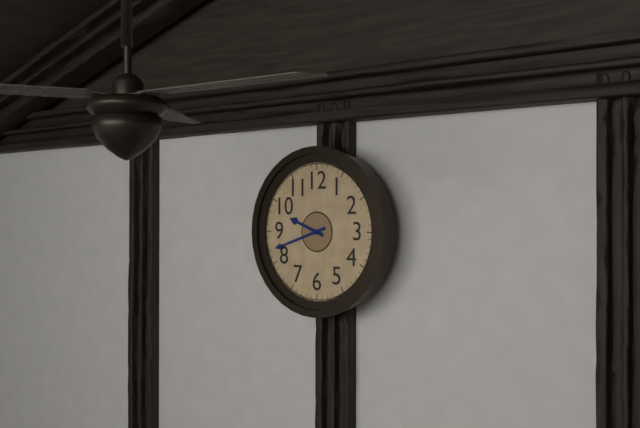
9.42
